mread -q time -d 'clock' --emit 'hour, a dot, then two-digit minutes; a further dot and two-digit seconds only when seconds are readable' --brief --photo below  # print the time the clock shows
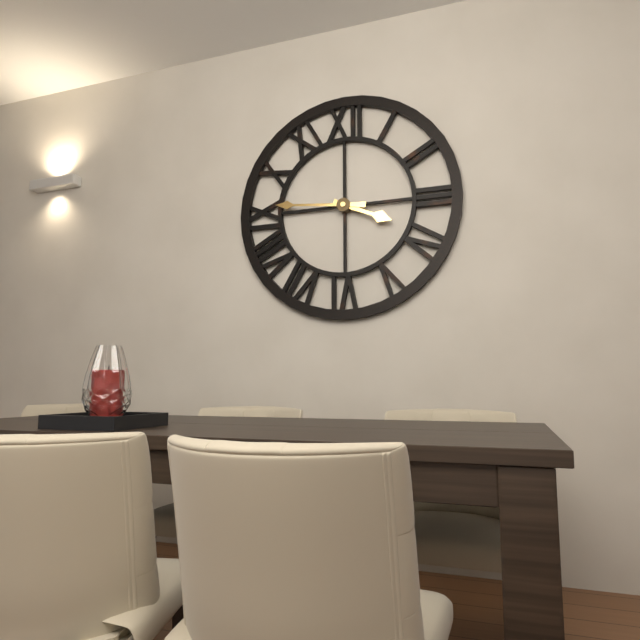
3.46
